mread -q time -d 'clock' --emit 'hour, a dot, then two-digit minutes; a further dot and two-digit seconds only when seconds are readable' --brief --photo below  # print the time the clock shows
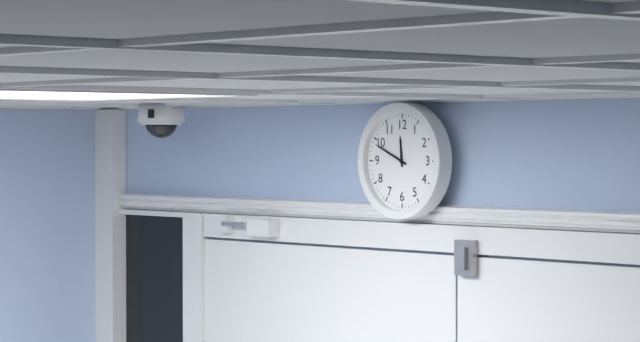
11.49
